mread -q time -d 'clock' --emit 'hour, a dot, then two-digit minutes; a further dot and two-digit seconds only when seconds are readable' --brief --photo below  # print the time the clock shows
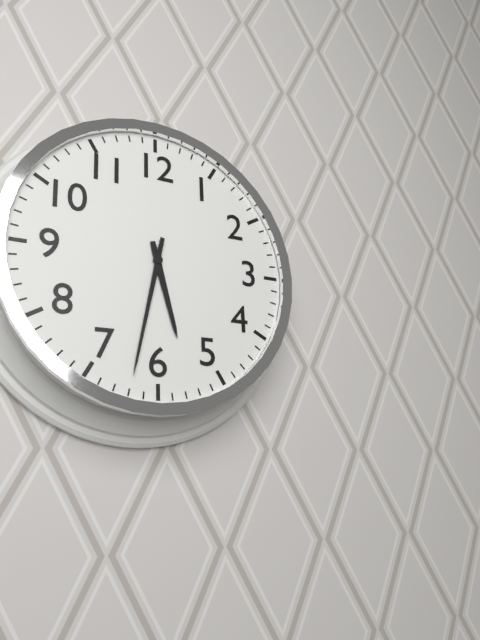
5.32
